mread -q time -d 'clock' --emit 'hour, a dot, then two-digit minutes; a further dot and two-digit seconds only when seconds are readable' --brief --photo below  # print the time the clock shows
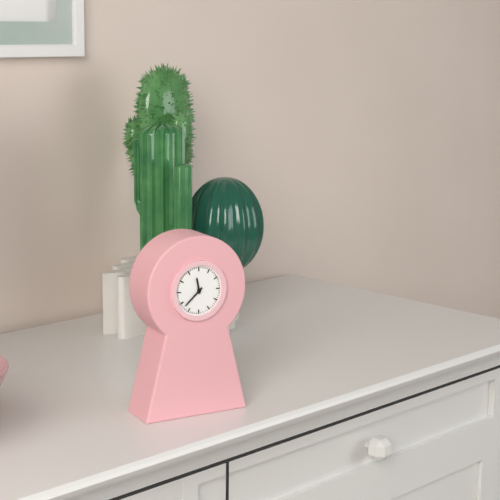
11.38
